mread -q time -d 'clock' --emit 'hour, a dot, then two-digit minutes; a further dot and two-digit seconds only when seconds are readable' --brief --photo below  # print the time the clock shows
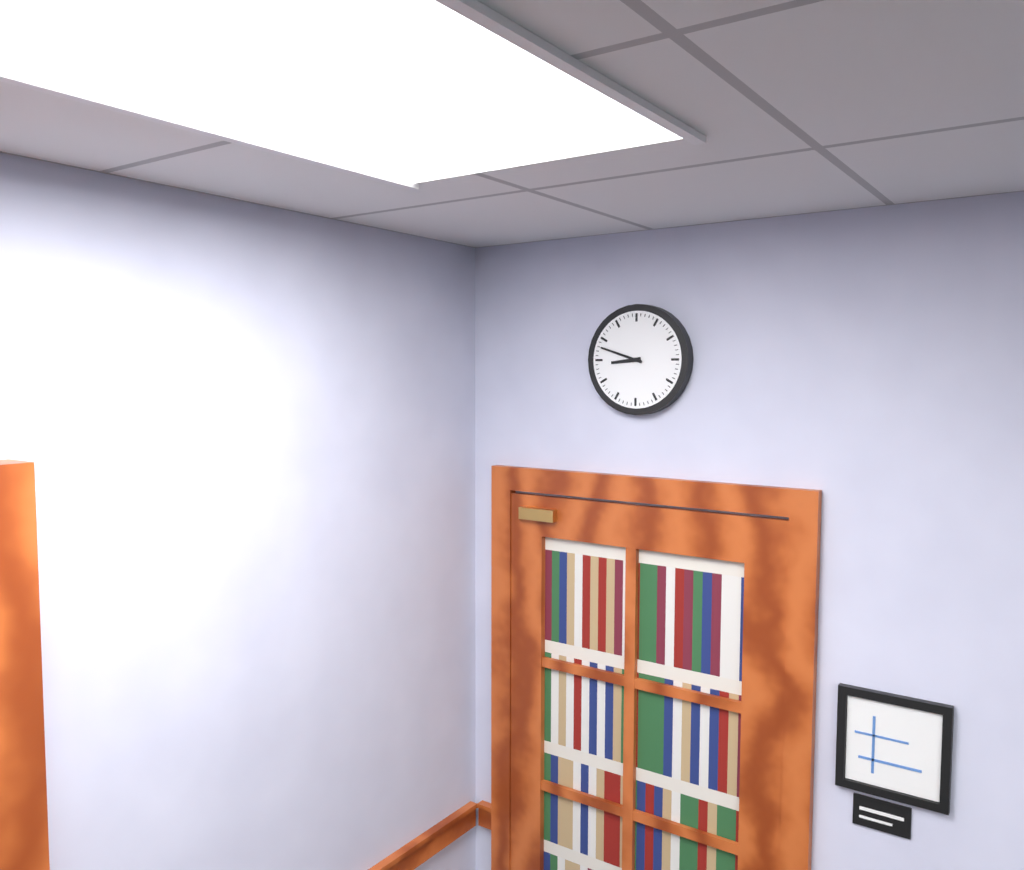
8.48
